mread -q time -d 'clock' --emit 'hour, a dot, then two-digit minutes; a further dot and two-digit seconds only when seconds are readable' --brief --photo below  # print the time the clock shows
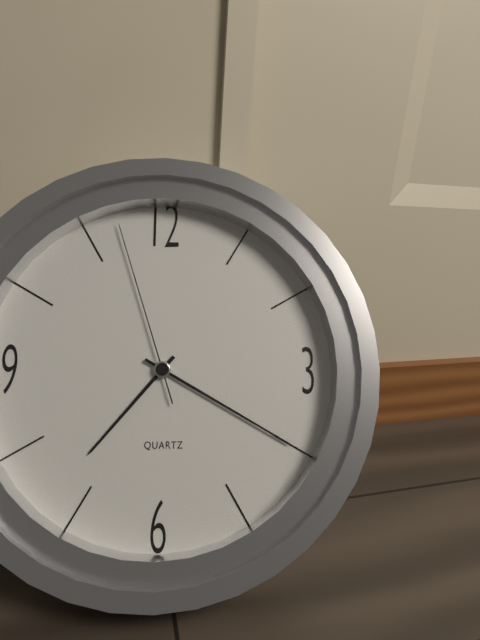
7.20.57
